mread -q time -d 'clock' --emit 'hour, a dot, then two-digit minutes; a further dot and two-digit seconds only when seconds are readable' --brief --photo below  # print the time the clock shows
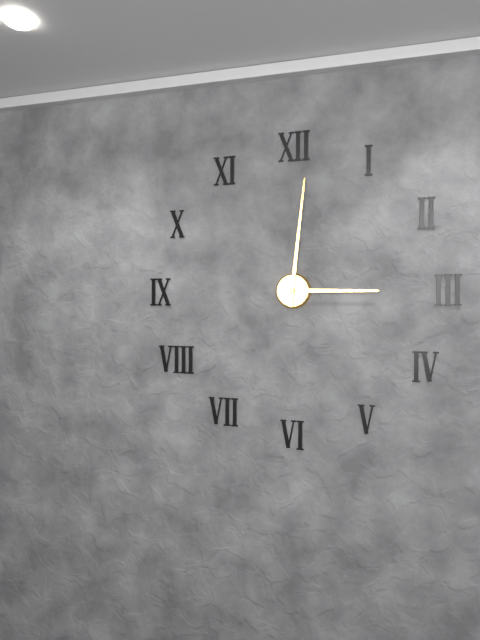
3.01
